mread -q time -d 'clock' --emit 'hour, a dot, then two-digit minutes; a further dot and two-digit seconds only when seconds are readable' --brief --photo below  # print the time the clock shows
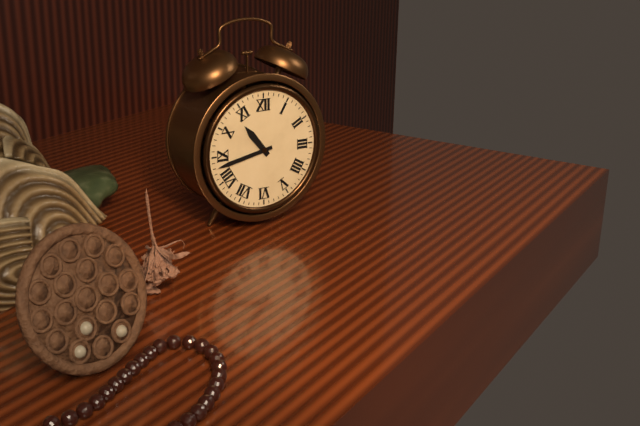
10.43
